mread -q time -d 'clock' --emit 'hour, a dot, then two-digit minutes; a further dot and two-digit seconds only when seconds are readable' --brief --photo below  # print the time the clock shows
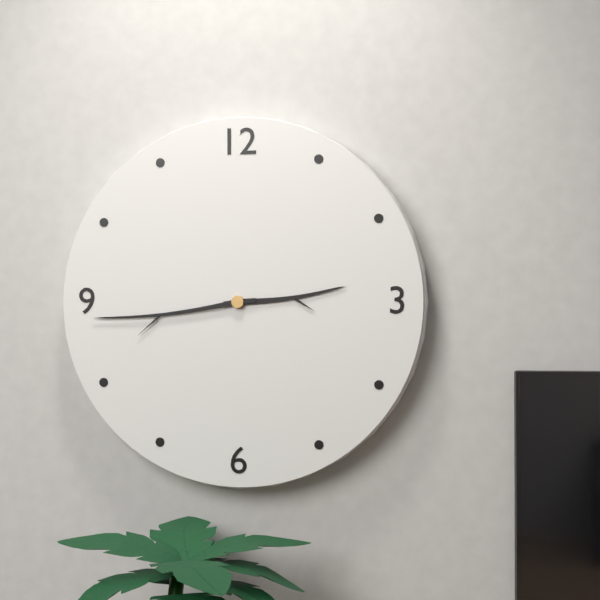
2.44
